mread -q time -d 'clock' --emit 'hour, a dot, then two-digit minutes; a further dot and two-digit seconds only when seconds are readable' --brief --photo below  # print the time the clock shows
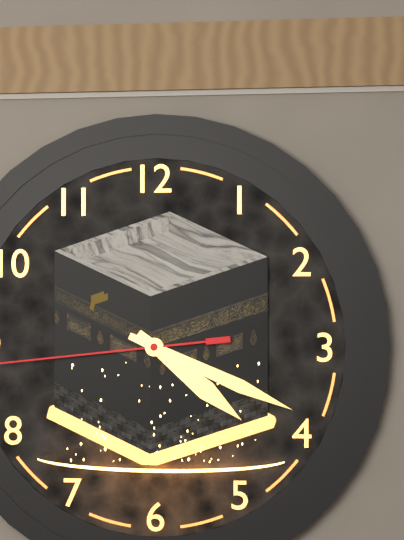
4.19
